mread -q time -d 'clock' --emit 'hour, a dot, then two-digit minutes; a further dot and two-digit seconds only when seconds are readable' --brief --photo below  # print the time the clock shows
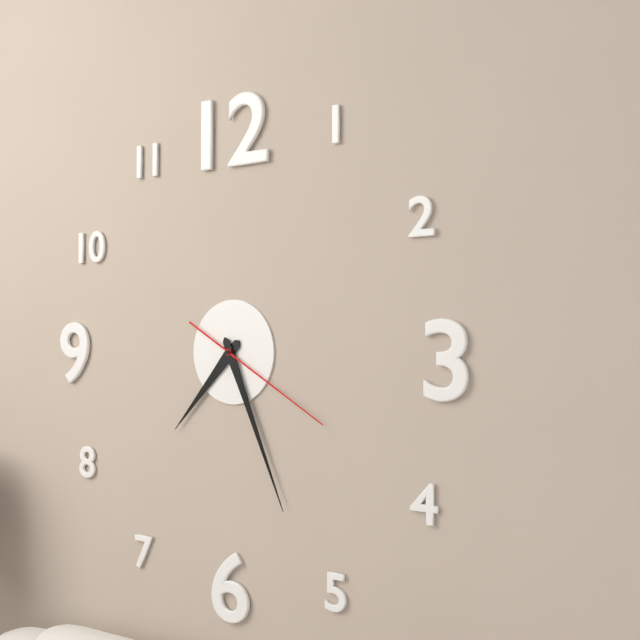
7.26.20
